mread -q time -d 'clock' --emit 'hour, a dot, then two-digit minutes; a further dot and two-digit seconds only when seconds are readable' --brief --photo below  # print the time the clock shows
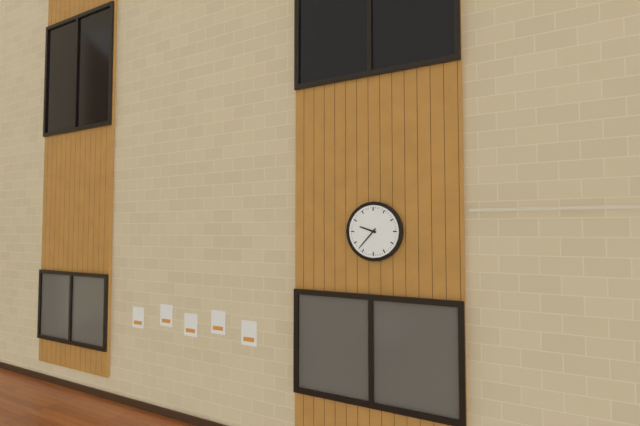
9.37
